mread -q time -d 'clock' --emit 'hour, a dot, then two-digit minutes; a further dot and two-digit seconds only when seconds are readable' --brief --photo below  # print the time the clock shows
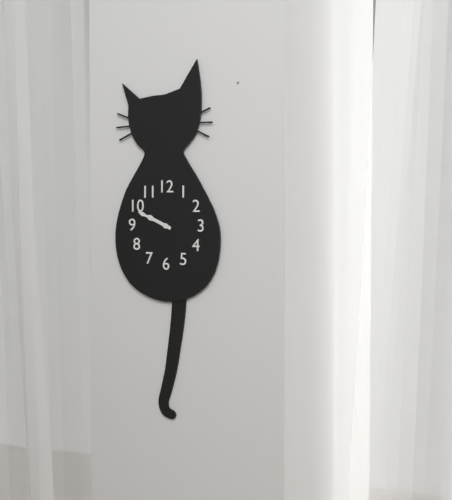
9.49
